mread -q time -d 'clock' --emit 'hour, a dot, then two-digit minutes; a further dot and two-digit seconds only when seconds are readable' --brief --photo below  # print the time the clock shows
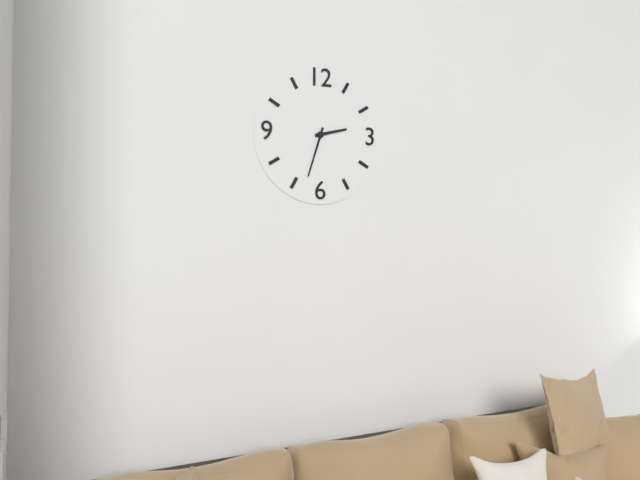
2.33
